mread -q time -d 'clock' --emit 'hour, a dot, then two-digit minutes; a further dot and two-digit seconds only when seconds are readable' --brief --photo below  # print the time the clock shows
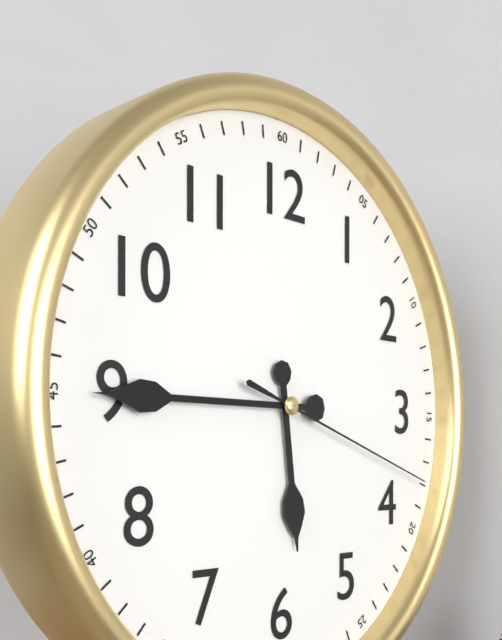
5.45.18
